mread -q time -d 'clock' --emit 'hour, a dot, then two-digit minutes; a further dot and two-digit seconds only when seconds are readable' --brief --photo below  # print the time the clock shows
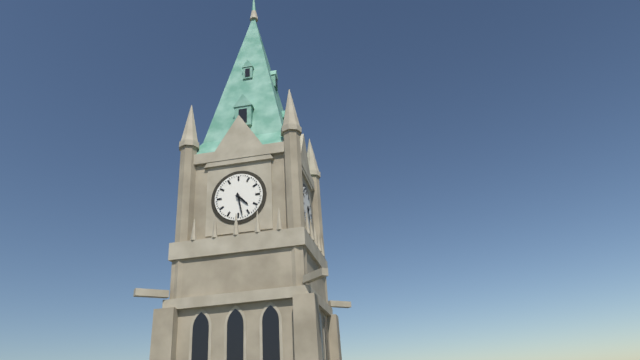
4.28
